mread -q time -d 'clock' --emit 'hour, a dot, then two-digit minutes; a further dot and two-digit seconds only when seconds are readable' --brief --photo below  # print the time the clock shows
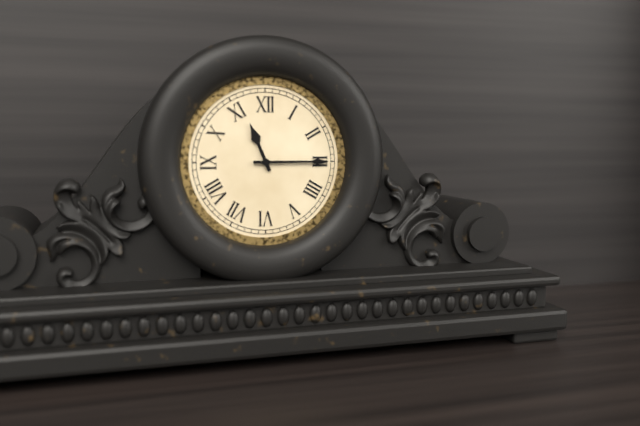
11.15
